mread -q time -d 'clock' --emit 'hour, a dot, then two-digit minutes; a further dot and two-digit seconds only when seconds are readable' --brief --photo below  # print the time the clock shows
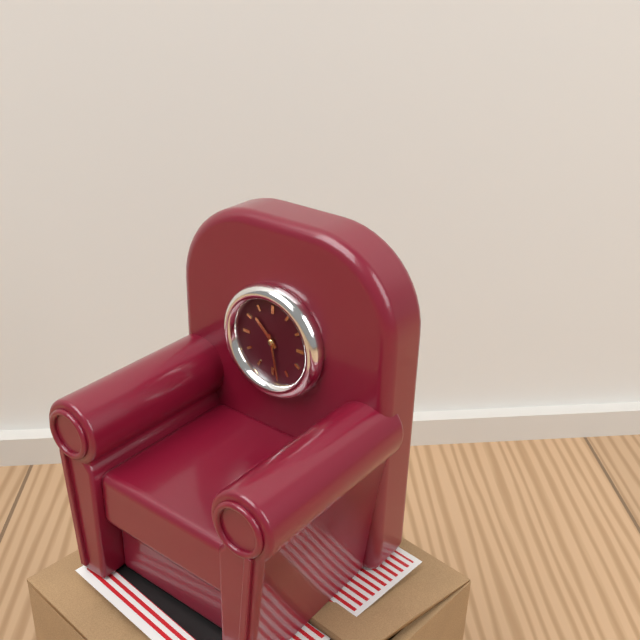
10.28
